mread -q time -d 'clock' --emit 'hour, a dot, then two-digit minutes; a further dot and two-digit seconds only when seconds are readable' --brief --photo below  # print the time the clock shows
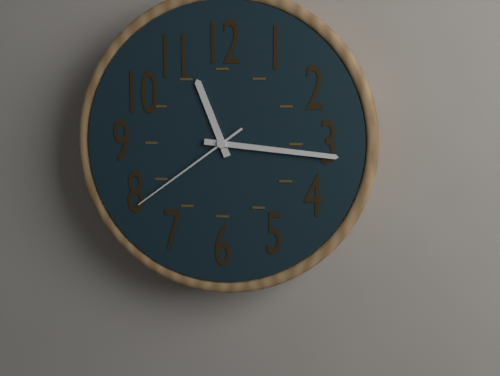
11.16.39
